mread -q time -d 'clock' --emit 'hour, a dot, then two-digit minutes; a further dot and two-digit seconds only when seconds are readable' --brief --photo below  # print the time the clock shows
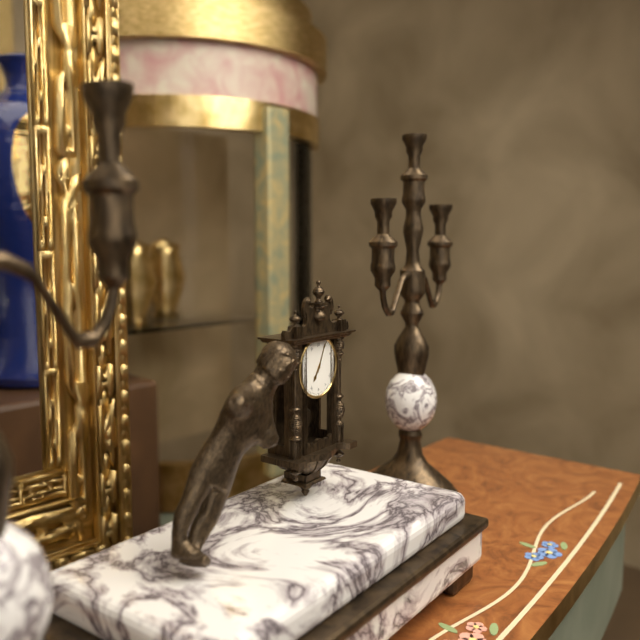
7.04
